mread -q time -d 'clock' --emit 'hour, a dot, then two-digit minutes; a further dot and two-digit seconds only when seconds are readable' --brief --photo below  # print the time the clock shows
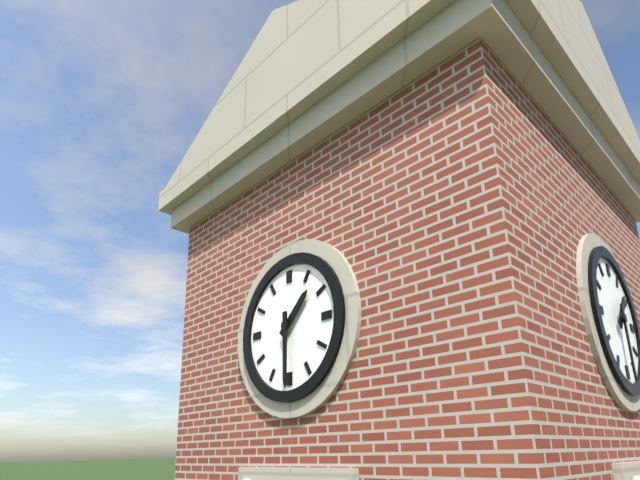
1.30
